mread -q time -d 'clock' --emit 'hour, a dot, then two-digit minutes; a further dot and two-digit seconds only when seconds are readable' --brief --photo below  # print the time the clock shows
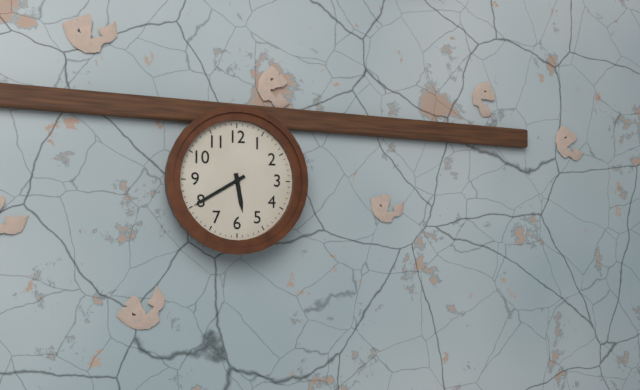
5.40
